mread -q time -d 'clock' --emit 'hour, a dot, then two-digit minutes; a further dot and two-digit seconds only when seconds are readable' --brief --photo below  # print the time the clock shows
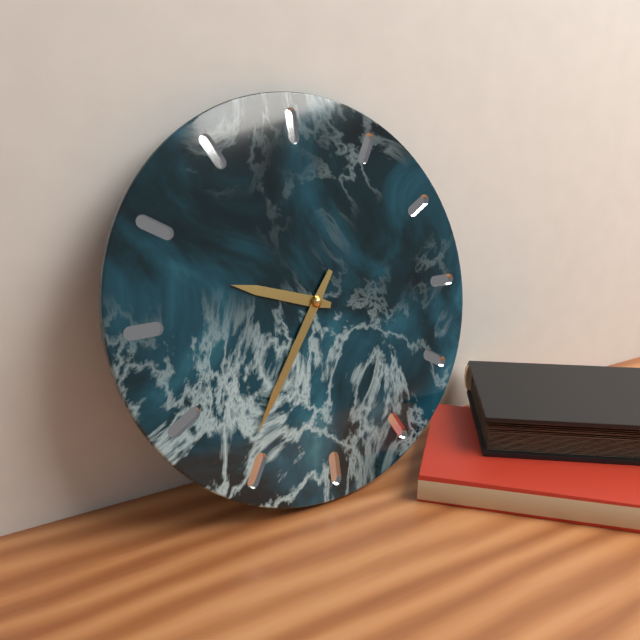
9.36
